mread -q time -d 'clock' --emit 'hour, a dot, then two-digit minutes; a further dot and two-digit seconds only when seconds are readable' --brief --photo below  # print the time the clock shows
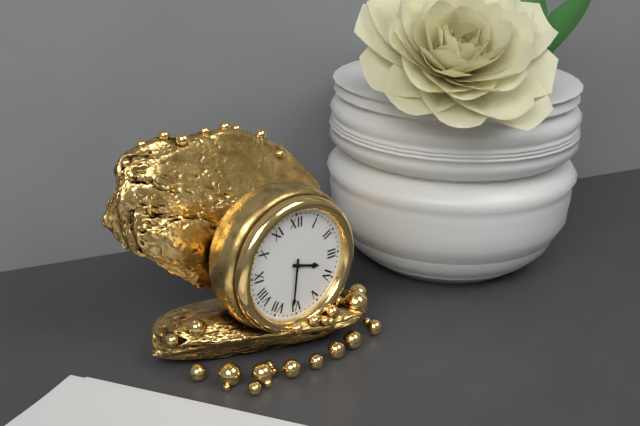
3.31
